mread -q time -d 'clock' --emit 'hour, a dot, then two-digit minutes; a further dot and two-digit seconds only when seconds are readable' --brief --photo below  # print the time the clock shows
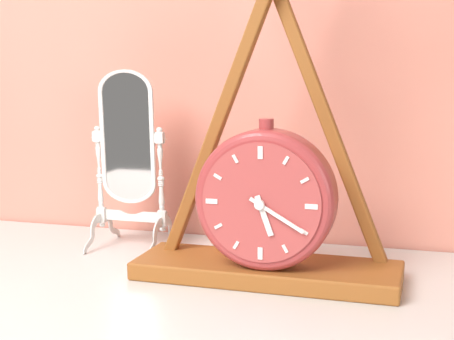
5.20
